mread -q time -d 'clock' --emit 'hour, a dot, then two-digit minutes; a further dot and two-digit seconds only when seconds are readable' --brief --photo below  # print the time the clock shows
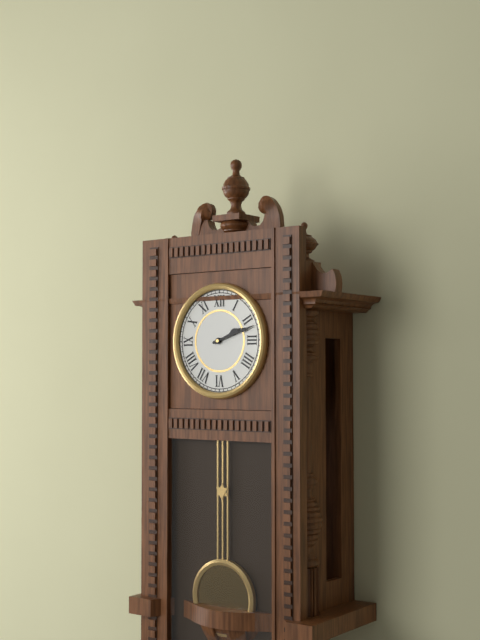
2.12
